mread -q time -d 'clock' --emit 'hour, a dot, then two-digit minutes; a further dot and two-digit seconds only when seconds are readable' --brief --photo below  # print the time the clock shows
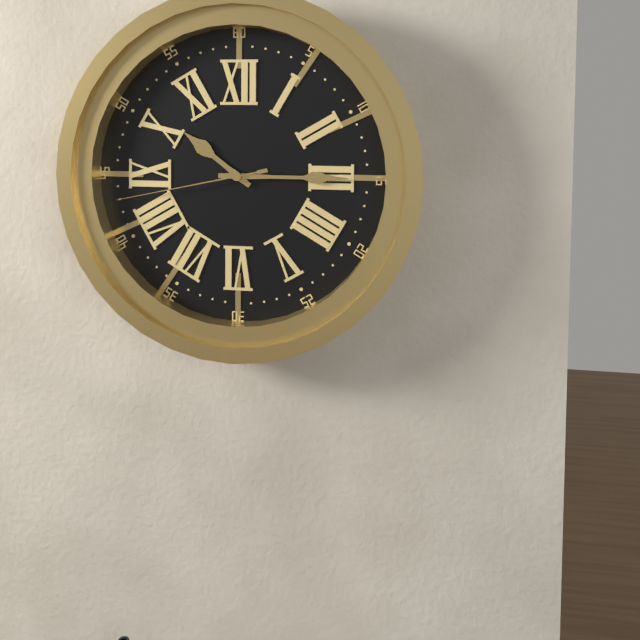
10.15.43
